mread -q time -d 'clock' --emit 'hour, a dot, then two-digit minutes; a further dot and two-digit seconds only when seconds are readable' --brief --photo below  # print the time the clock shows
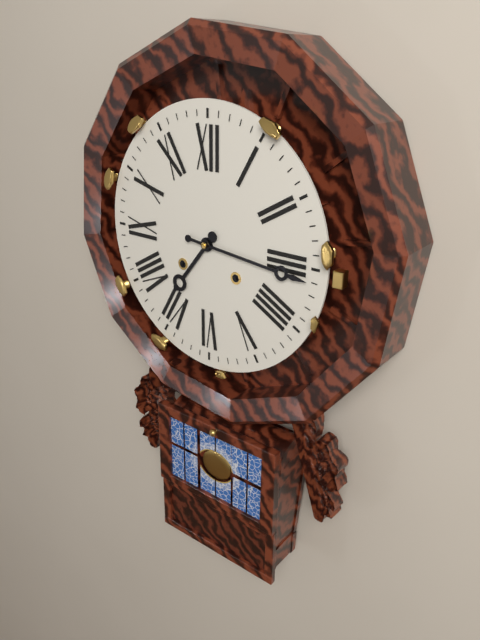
7.16
